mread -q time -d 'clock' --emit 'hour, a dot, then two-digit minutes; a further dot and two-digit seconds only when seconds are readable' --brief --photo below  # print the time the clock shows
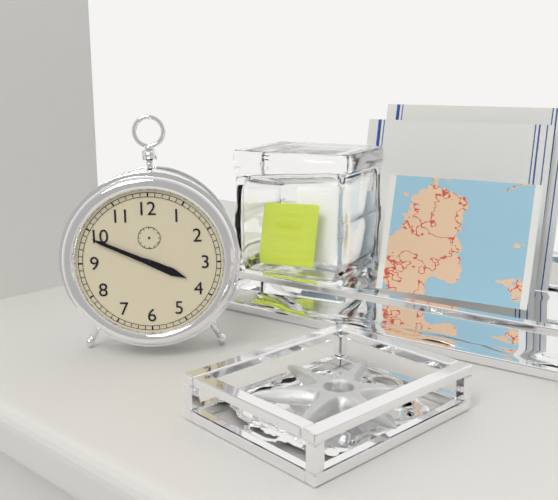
3.49
